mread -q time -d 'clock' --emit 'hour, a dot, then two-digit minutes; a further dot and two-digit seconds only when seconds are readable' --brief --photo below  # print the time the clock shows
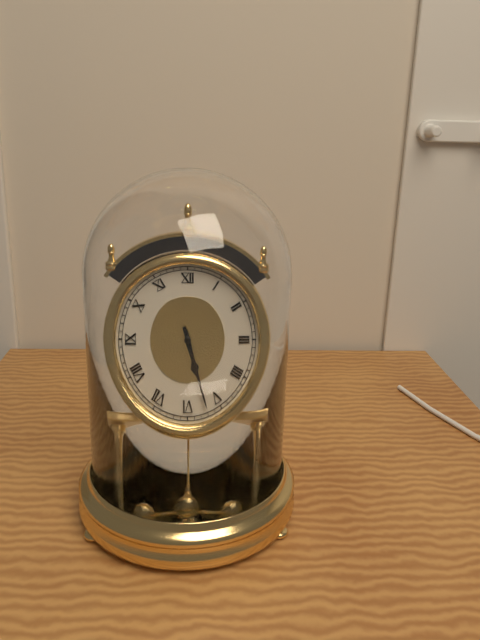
5.27
